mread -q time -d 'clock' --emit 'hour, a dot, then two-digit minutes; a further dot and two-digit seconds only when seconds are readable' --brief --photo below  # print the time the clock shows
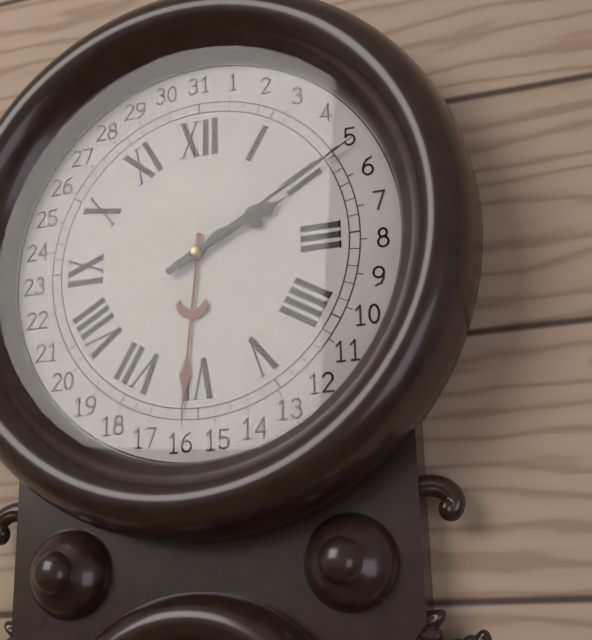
2.10
